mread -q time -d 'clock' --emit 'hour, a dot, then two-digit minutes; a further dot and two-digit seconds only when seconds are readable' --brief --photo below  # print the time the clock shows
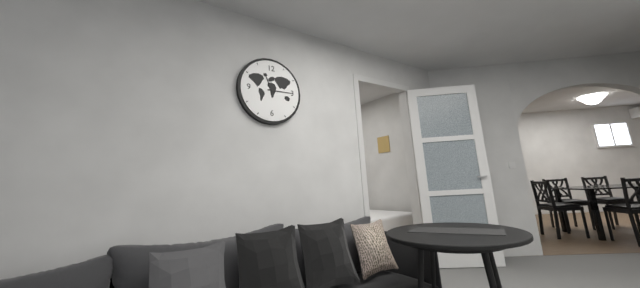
11.15
